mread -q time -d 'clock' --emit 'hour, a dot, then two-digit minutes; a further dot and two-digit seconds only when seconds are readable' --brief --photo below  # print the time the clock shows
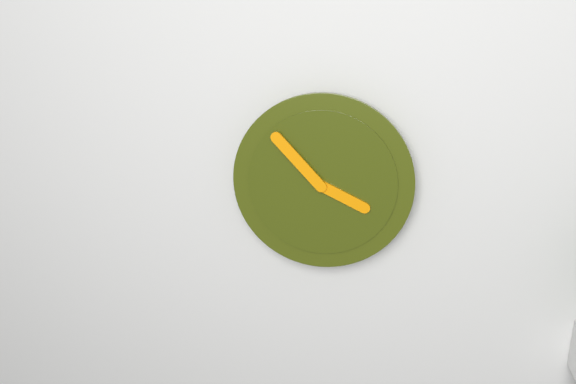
3.53
